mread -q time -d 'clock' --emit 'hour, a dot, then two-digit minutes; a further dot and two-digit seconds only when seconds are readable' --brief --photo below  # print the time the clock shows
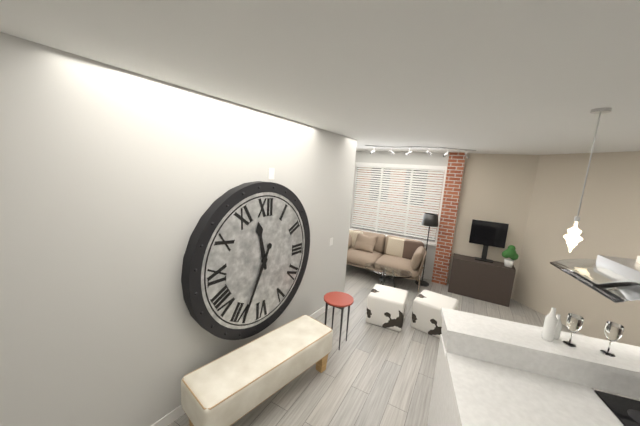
11.34
